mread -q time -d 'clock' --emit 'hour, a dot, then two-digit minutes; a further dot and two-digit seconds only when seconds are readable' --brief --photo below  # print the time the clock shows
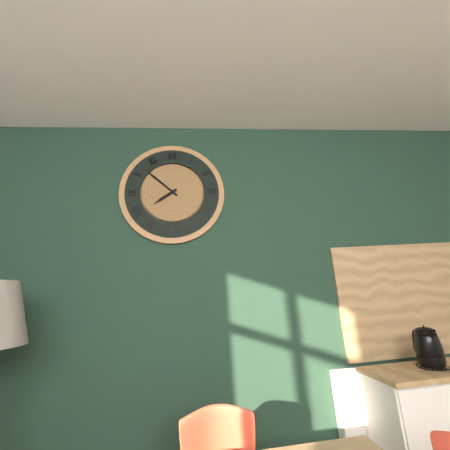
7.52
